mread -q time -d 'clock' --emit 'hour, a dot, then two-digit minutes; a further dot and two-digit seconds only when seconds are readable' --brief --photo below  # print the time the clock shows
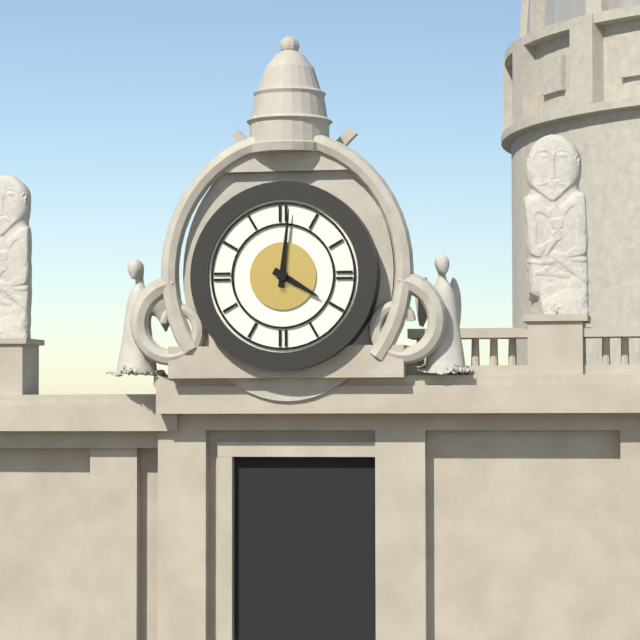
4.01
